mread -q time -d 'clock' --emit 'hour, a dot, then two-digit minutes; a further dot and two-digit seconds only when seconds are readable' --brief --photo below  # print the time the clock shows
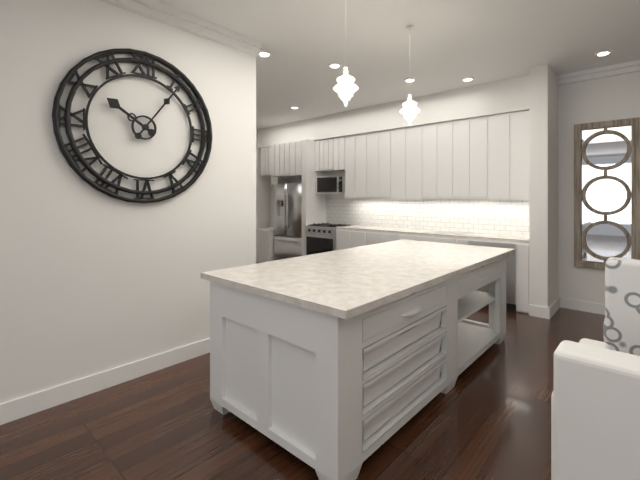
10.06
